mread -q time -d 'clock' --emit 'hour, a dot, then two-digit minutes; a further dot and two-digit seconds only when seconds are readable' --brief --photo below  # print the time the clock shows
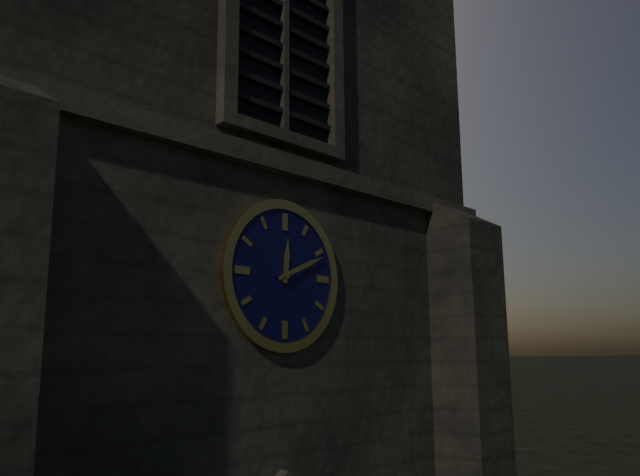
12.11
